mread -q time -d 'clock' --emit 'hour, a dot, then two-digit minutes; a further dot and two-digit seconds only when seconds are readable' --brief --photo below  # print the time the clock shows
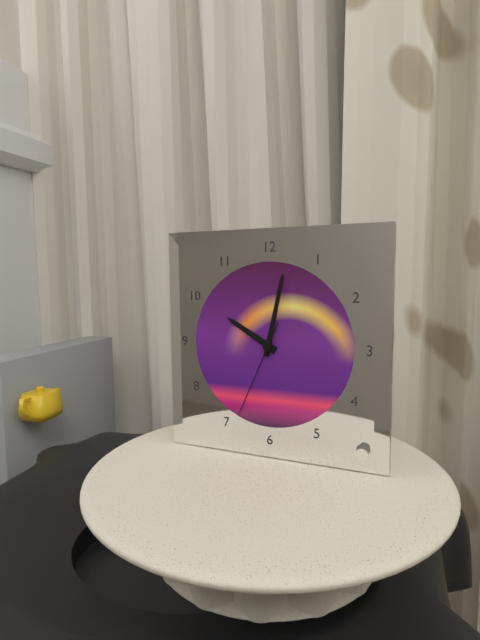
10.02.34
